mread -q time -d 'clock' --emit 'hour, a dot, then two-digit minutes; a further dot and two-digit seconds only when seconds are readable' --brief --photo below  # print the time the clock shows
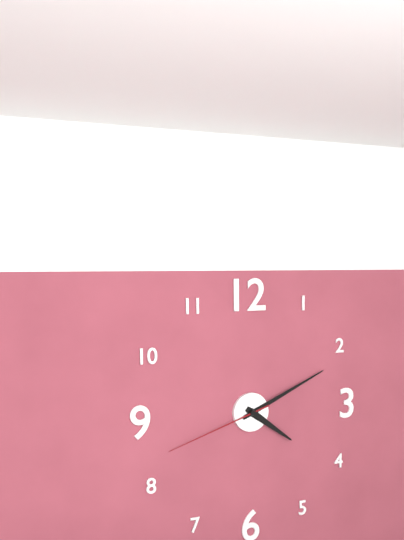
4.11.42
